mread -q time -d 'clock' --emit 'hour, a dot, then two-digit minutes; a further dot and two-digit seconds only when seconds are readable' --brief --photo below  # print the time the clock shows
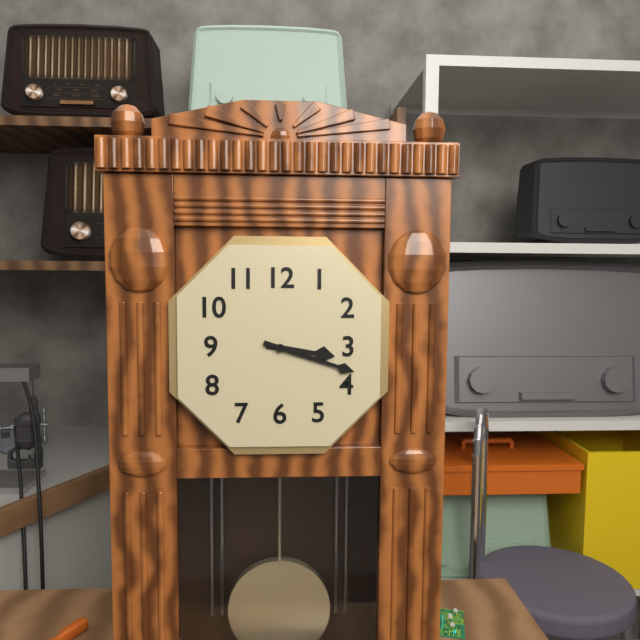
3.18
